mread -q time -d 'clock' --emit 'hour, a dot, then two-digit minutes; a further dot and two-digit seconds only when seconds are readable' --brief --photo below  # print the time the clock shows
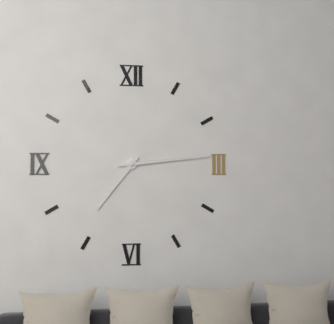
7.14
